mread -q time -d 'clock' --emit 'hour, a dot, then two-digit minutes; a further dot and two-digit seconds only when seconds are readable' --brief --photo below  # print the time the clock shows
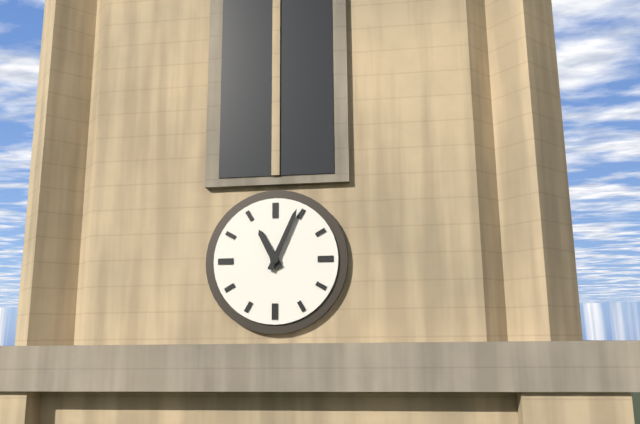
11.04
